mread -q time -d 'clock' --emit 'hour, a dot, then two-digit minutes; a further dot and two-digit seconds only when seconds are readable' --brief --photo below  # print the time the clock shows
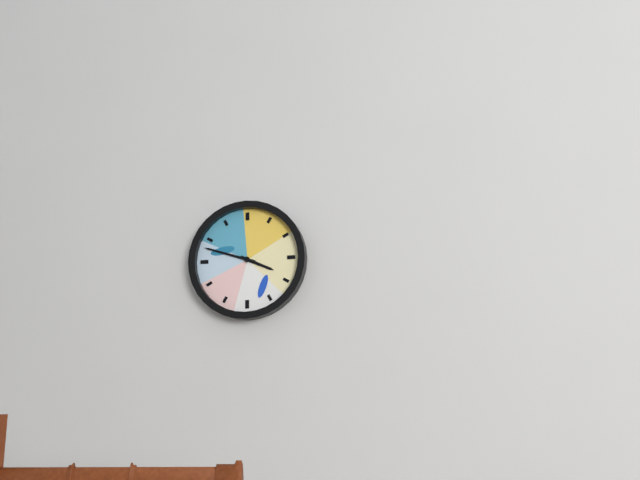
3.48
